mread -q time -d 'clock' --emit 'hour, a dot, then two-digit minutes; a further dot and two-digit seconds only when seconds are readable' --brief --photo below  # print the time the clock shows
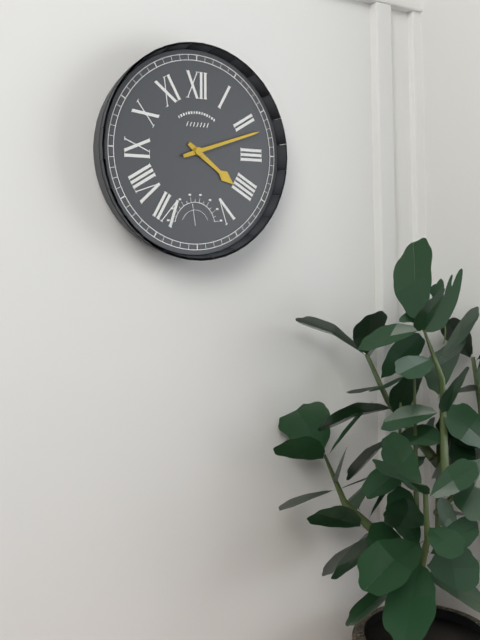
4.12
